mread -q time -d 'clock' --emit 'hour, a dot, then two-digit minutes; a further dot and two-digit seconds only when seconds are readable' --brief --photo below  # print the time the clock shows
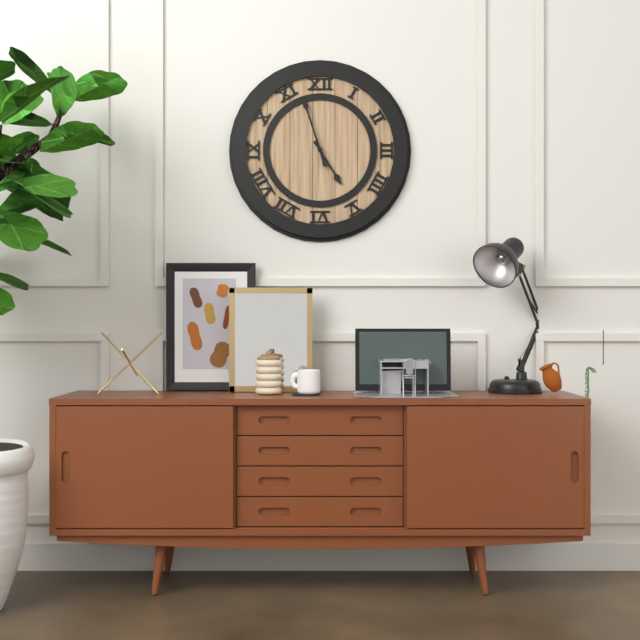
4.57
